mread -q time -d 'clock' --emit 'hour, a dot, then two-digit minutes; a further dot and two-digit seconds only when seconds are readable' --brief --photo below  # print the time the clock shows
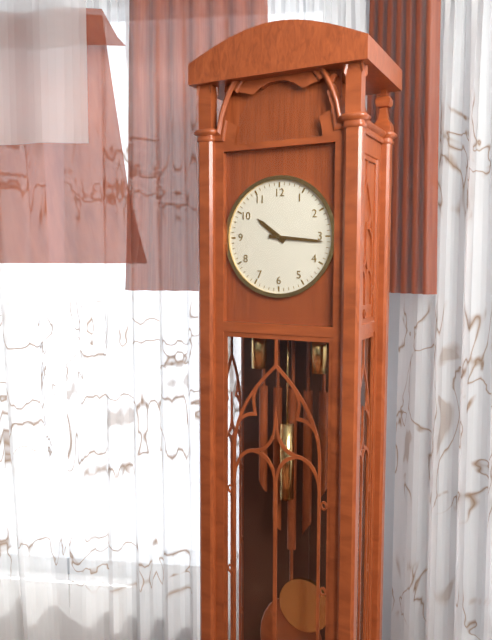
10.16
